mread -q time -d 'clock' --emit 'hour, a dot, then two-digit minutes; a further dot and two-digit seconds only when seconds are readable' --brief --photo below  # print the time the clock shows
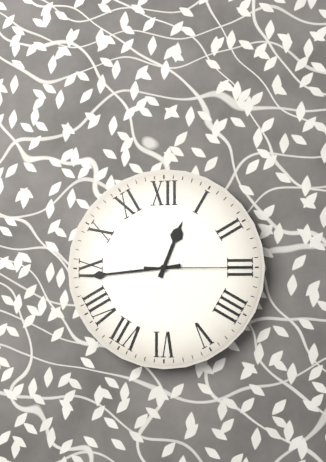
12.44.15
